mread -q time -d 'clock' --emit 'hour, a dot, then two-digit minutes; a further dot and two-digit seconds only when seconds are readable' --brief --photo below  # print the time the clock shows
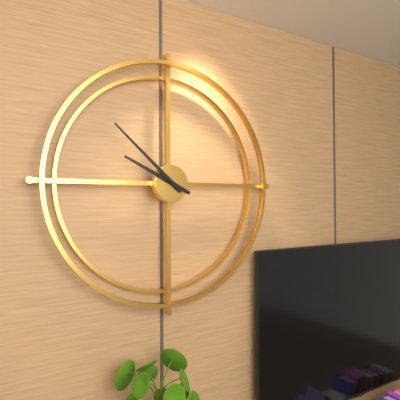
9.52
